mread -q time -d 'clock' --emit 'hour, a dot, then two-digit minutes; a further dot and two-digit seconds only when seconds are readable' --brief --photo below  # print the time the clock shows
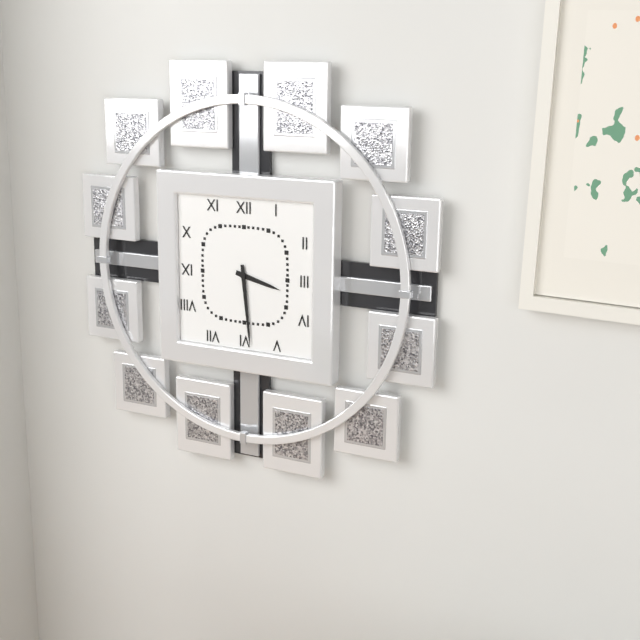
3.29
